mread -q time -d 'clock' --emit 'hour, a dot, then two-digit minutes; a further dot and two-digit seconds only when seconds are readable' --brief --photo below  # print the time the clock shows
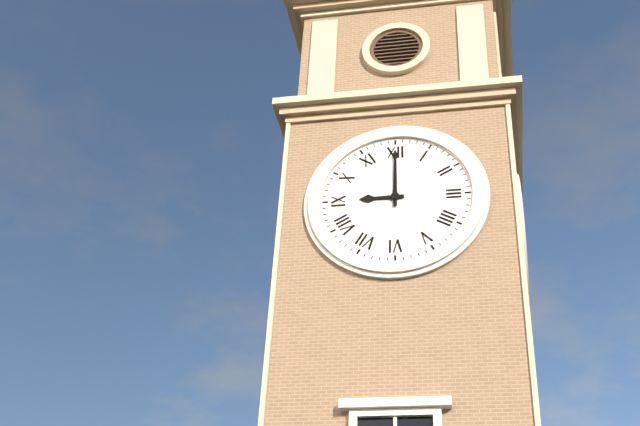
9.00
